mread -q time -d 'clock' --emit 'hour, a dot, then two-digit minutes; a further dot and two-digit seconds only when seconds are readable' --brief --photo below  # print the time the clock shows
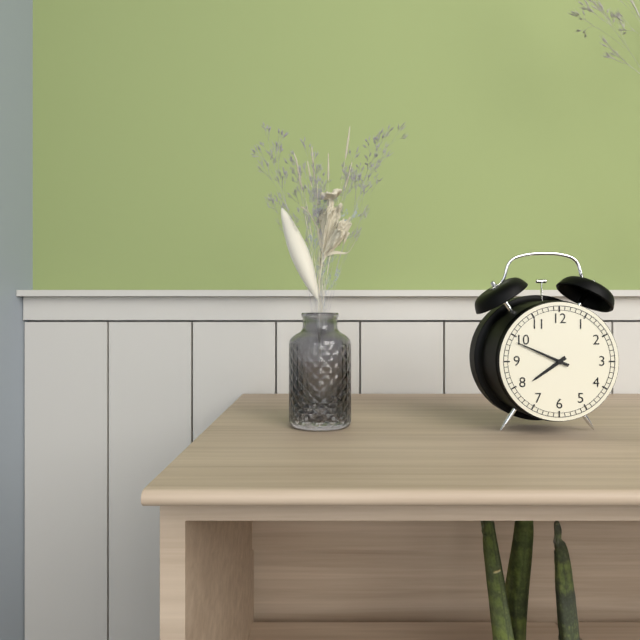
7.49
